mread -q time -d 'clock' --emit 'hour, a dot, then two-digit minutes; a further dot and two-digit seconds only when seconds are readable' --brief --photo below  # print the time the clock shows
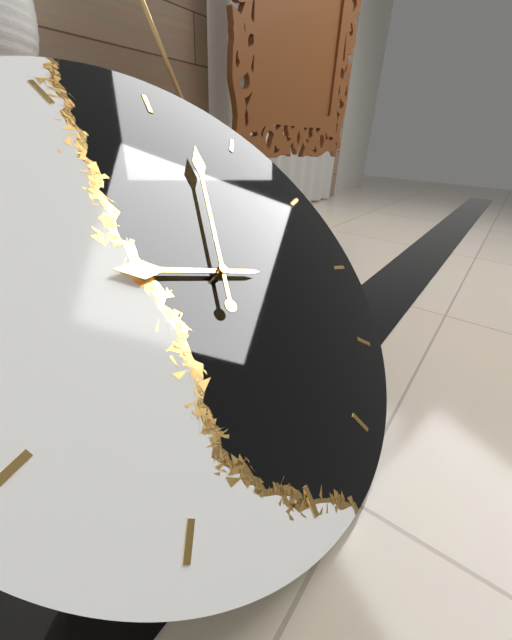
10.07
